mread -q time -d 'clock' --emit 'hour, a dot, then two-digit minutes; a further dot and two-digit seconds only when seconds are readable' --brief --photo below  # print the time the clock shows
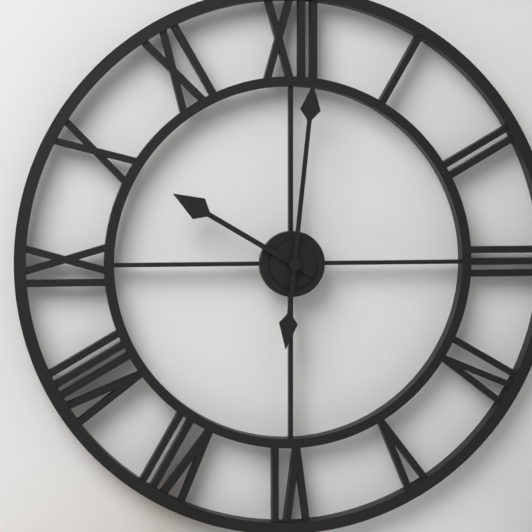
10.01
